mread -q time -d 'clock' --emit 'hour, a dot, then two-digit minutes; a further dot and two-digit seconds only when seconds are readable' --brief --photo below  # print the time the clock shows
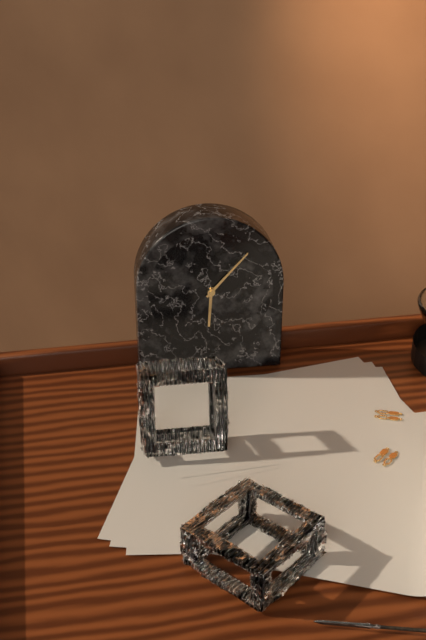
6.07
